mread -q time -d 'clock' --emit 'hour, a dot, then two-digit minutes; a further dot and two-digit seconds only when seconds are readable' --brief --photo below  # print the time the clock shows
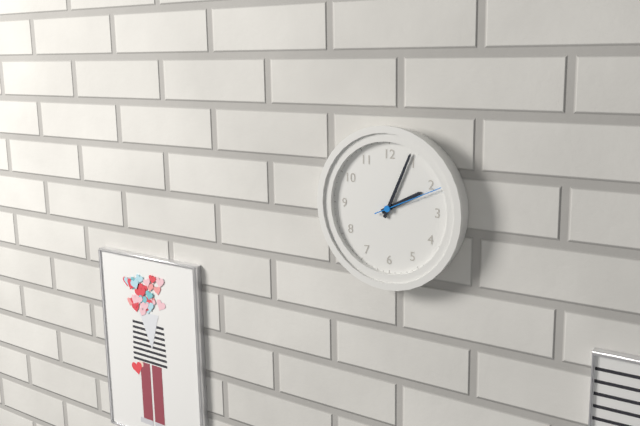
2.04.11
